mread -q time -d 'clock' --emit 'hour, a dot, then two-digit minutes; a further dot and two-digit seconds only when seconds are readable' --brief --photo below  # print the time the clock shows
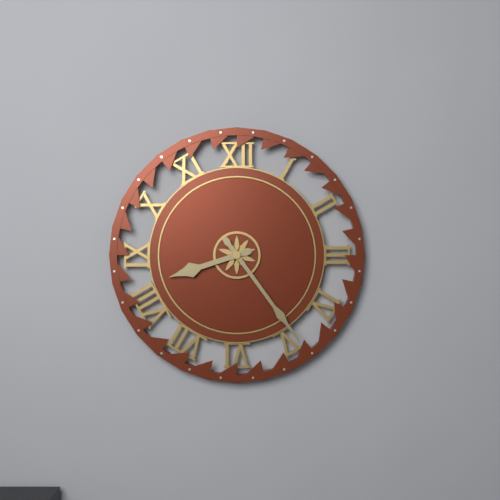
8.24
